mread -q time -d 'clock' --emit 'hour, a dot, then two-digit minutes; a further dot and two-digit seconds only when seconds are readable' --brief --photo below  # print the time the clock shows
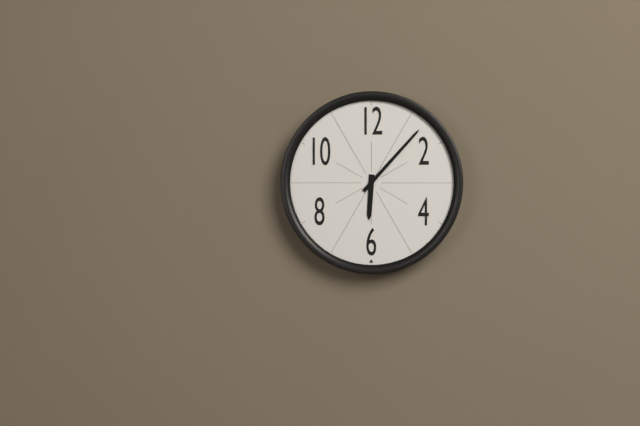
6.07
